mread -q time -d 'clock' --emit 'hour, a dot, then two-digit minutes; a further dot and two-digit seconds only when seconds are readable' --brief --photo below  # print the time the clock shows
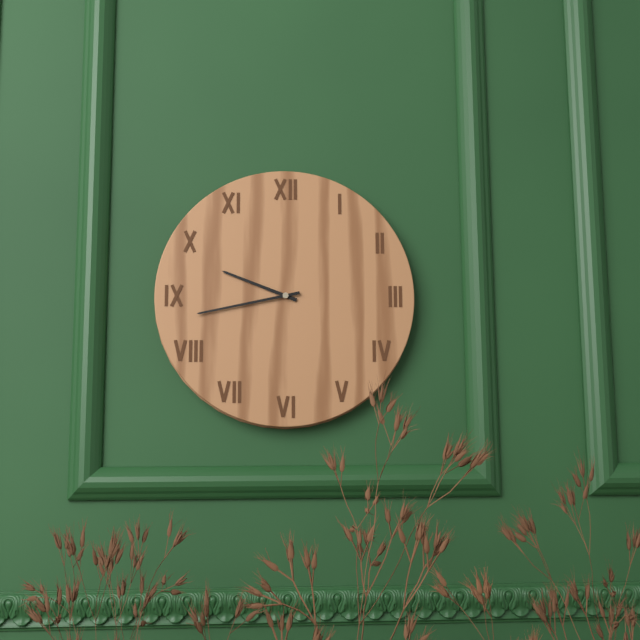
9.43
